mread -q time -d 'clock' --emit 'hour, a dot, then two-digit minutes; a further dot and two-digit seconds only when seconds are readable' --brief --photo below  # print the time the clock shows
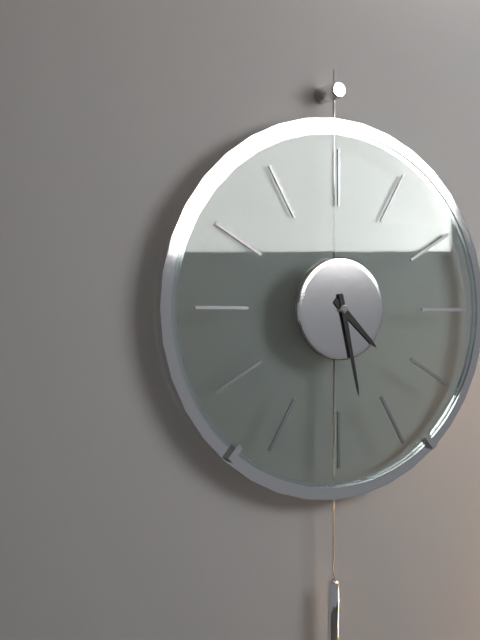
4.28
